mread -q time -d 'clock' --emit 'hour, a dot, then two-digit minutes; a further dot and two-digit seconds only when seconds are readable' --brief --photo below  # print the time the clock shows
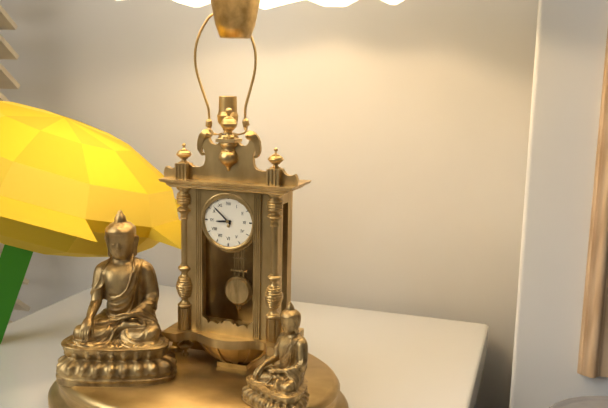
8.52
